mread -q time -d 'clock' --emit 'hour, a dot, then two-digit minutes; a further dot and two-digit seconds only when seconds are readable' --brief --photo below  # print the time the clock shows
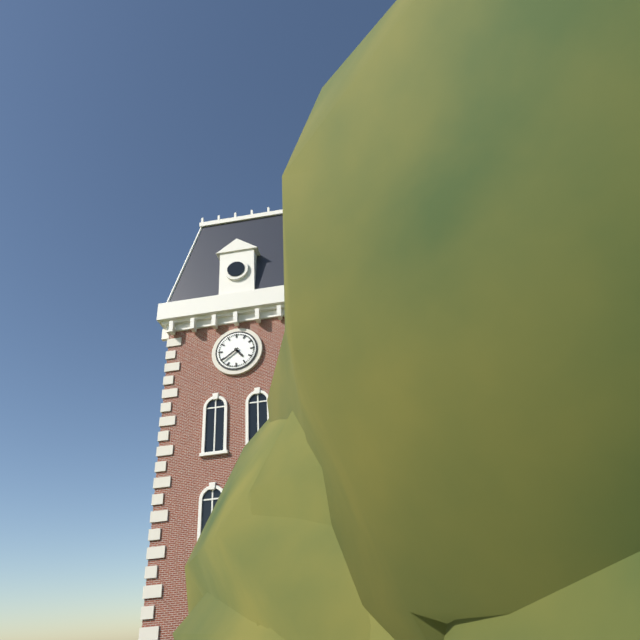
4.39
